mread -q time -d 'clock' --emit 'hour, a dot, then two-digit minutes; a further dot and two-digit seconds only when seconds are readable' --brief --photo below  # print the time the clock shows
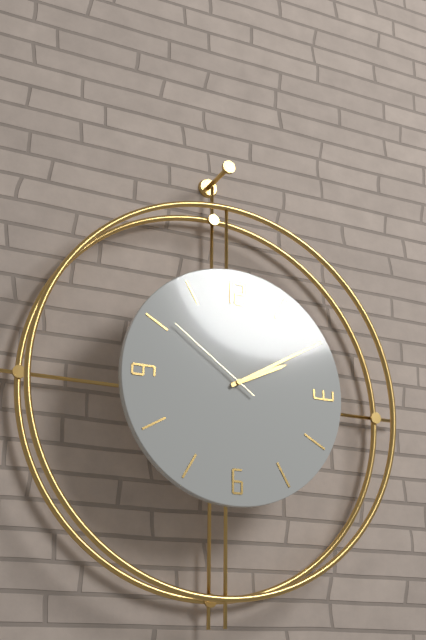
2.10.51
